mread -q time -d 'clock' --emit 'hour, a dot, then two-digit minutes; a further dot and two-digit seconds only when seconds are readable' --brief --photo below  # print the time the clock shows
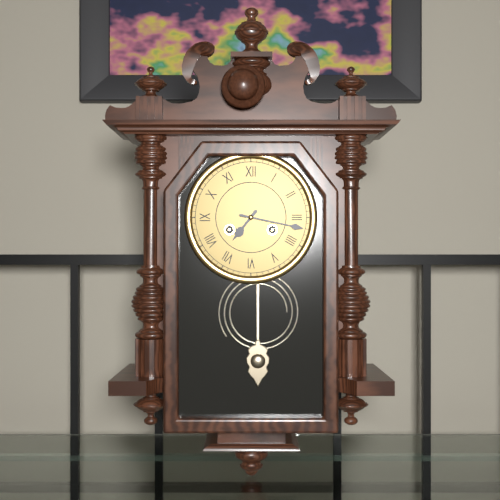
7.17
